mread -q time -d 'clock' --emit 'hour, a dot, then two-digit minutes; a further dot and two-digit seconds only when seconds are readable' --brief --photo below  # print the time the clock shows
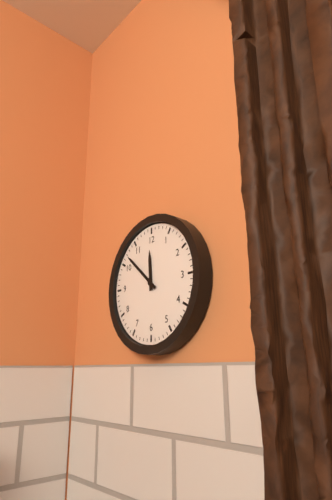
11.52
